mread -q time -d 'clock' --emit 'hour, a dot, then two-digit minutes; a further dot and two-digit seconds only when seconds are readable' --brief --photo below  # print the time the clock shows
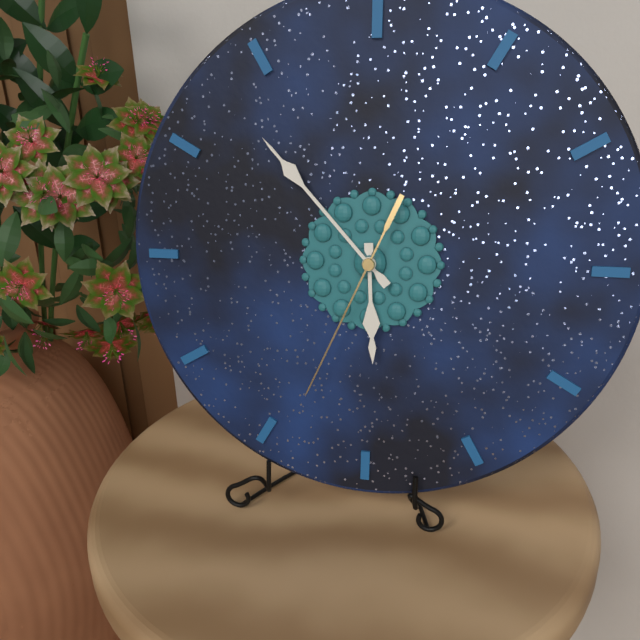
5.53.34
